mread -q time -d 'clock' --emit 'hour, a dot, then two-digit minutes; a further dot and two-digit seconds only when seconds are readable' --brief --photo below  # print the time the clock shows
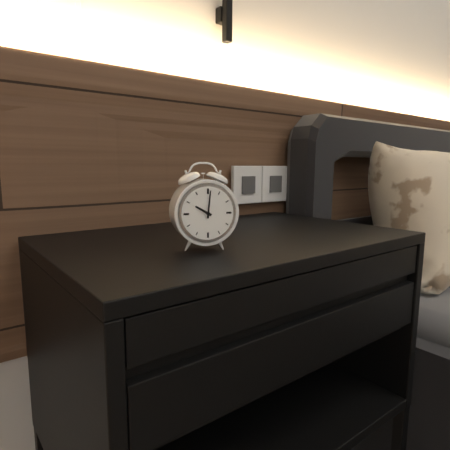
10.01
